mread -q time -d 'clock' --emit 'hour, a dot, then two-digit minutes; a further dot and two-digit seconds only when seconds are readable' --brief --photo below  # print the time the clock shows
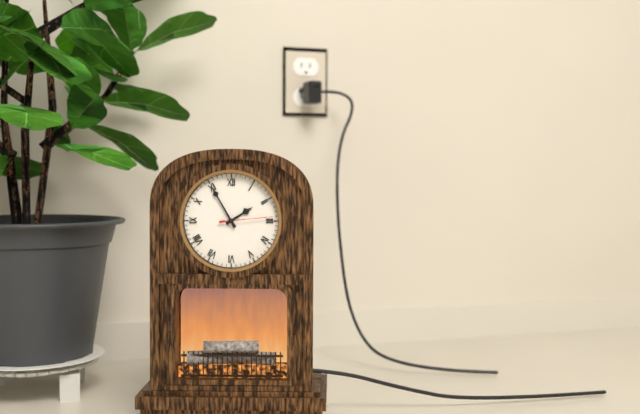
1.55
